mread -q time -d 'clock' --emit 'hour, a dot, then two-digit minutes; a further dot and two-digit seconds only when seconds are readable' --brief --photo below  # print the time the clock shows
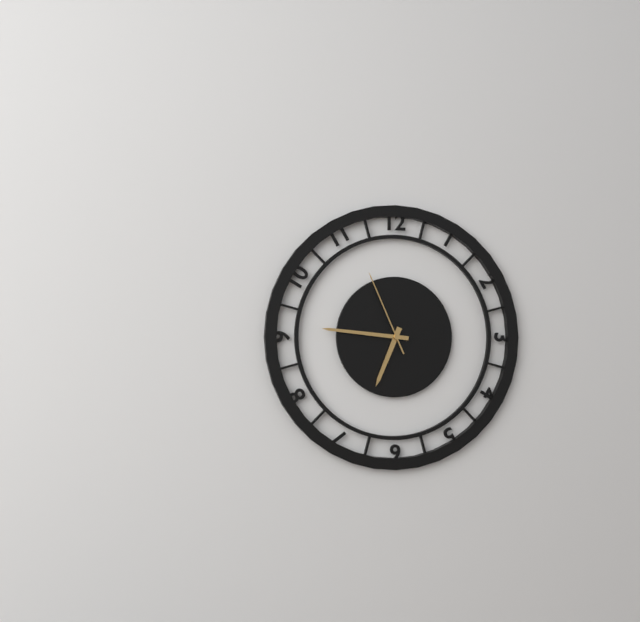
6.46.56
